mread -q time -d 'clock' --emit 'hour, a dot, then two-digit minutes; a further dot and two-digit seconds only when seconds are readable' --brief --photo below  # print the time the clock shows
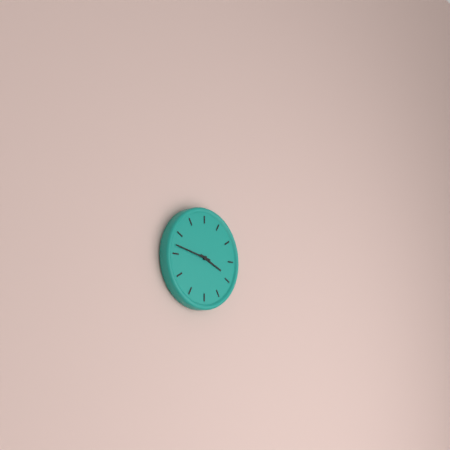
3.47
